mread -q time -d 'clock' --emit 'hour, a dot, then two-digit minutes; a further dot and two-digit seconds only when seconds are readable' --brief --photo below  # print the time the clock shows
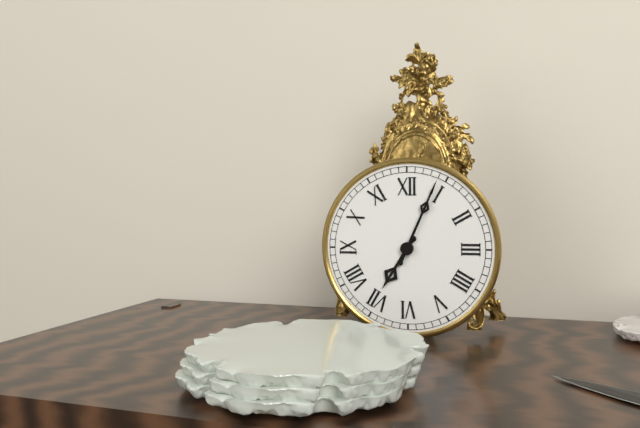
7.04
